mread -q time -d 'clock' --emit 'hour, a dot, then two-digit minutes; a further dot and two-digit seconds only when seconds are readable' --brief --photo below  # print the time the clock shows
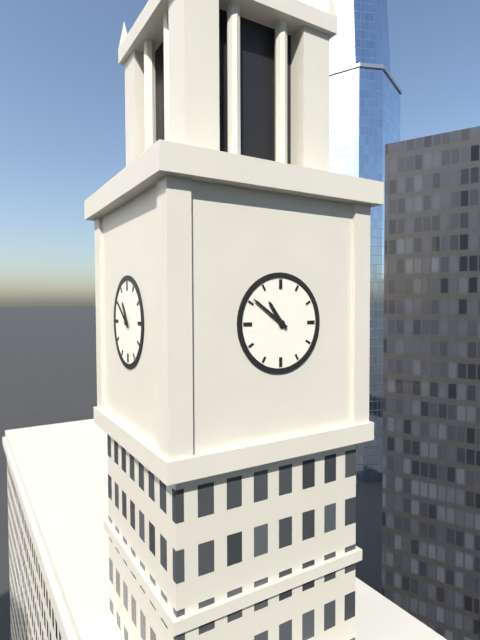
10.51
